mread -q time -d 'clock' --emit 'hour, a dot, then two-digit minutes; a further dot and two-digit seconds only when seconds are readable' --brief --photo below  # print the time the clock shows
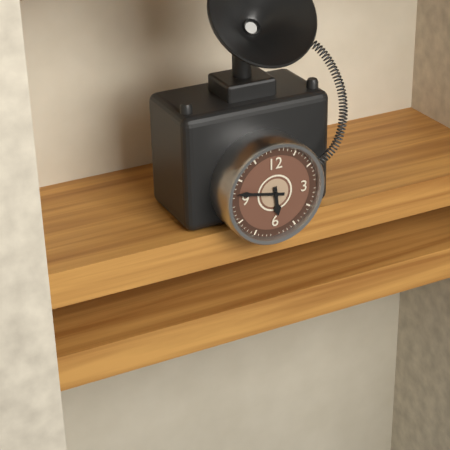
5.47
